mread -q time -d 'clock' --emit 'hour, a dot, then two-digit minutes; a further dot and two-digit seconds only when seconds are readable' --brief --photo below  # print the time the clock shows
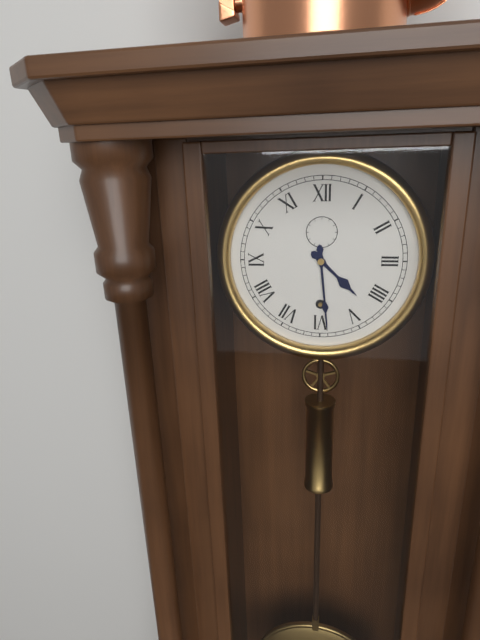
4.29
